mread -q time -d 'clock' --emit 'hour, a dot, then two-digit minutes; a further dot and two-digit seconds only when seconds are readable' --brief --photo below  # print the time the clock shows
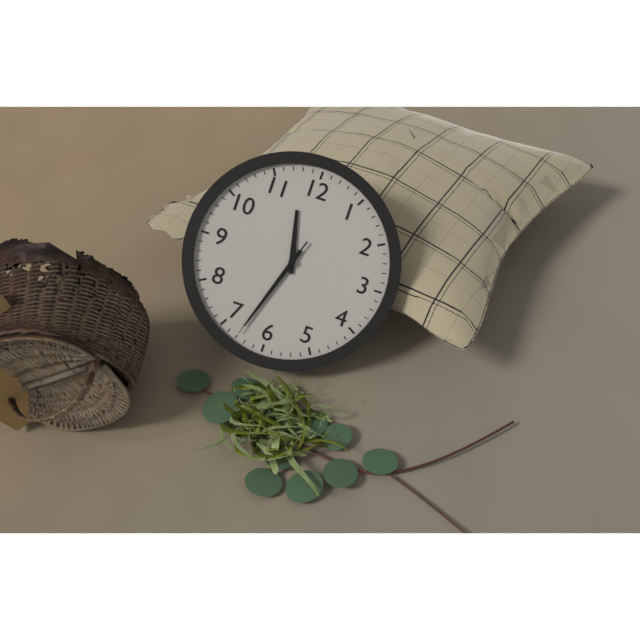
11.33.33
